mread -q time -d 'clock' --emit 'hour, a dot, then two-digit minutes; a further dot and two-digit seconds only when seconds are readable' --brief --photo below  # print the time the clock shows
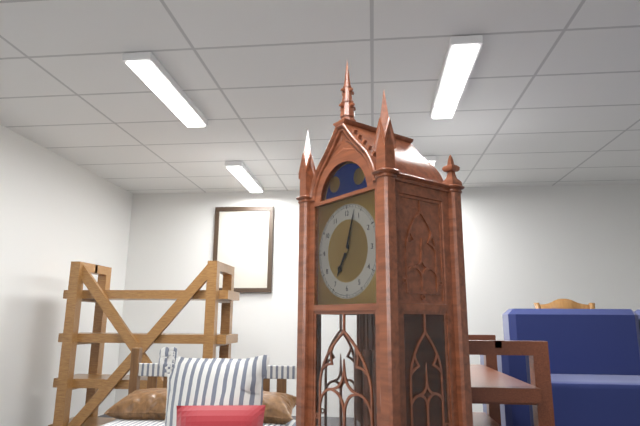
7.03
